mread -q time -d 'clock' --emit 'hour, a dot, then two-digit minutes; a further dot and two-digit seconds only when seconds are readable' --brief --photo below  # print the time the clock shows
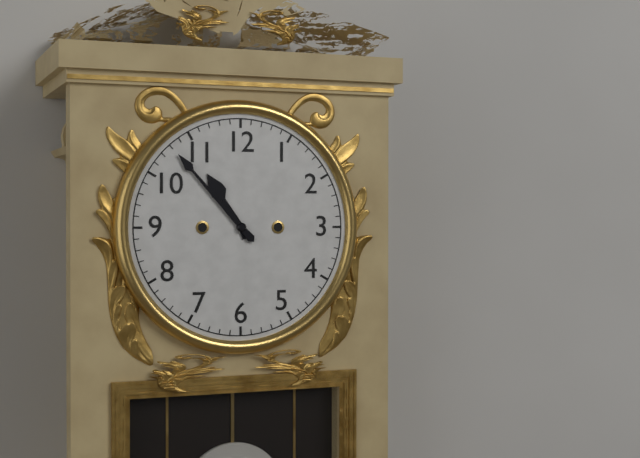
10.53
